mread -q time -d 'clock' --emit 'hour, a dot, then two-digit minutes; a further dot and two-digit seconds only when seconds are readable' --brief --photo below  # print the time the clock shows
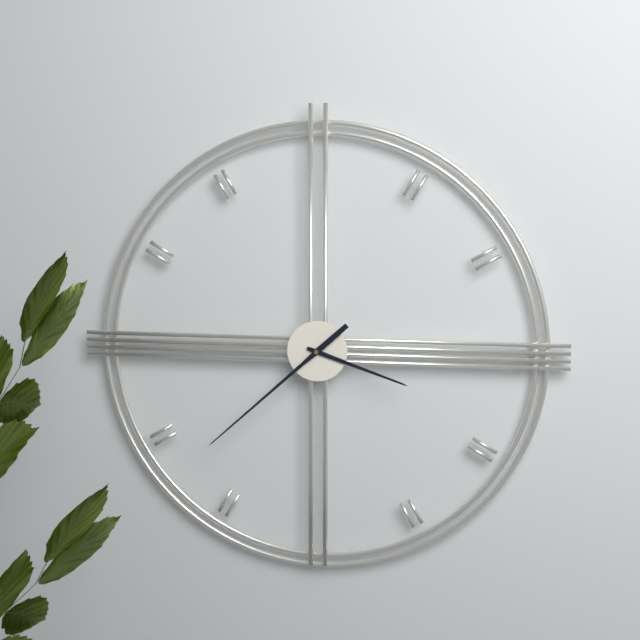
3.38
